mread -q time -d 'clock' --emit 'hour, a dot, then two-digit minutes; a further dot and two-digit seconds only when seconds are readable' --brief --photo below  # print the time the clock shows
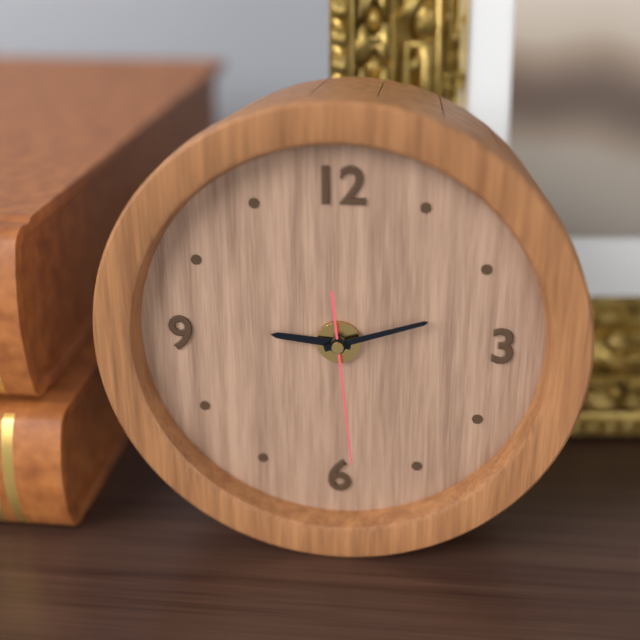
9.12.29
